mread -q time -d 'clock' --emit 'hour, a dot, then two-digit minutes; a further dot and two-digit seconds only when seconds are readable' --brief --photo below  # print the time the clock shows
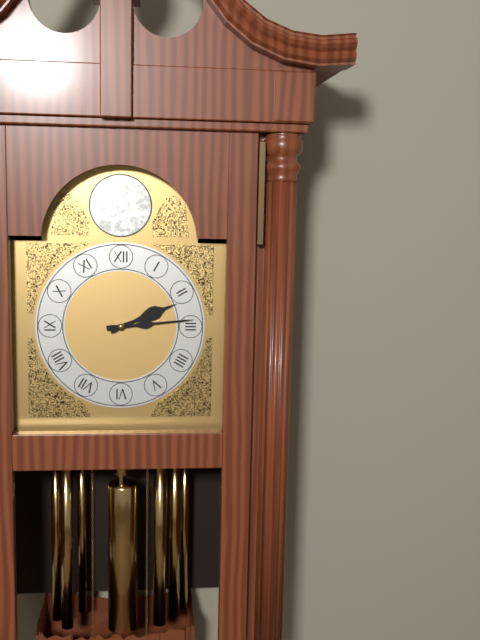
2.14
